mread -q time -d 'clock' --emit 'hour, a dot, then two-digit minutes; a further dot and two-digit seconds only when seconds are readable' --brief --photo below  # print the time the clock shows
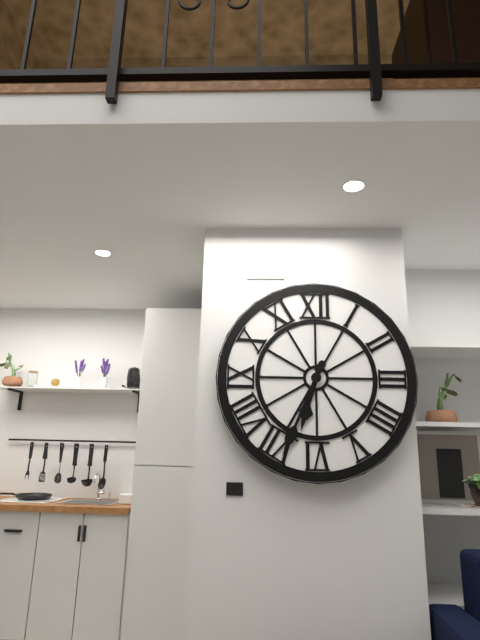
6.34
